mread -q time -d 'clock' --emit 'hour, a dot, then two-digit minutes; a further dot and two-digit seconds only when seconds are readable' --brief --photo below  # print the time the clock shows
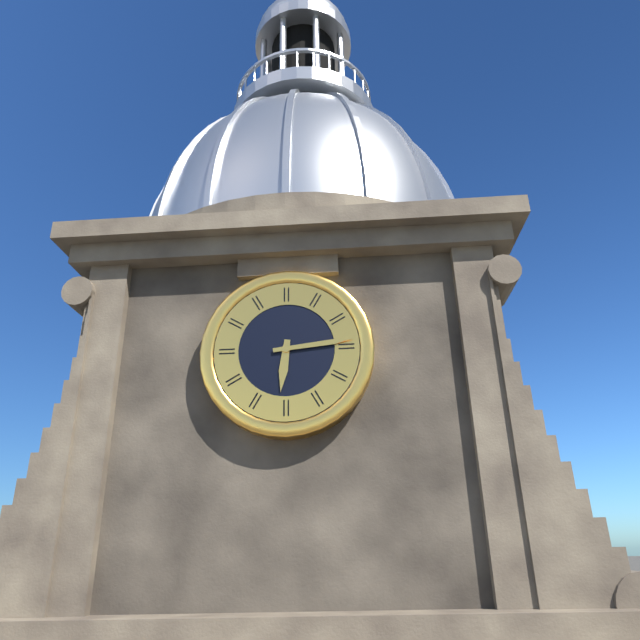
6.14
